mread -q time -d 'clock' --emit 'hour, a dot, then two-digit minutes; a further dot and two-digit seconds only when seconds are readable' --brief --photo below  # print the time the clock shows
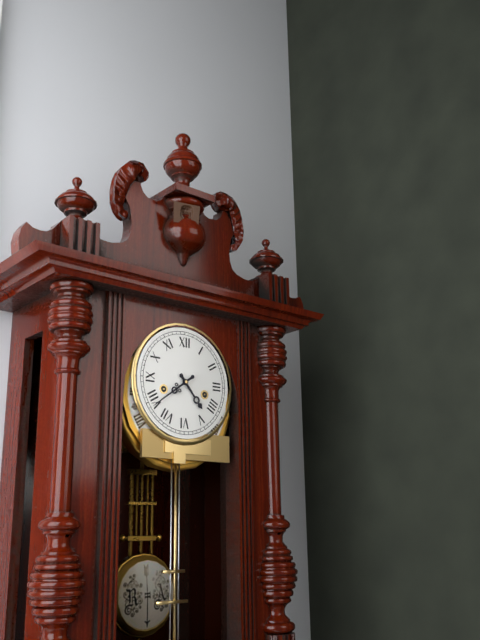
4.39
